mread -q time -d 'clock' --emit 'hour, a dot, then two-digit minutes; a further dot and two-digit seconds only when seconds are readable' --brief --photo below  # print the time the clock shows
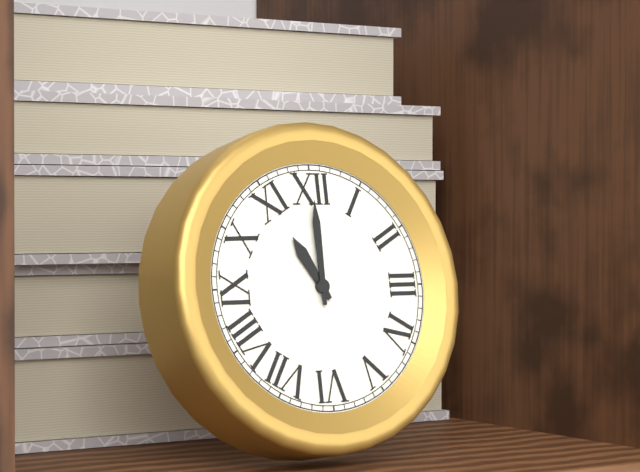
11.00
